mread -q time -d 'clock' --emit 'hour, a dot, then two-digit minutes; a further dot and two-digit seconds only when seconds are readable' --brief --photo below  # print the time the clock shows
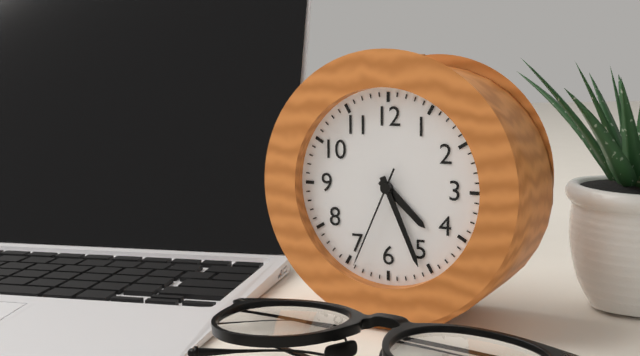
4.26.34
